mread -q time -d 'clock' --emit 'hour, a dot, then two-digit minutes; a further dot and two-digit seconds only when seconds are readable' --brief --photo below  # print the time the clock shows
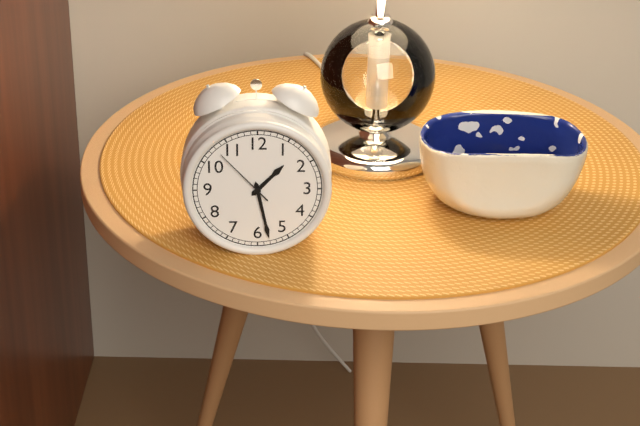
1.28.53
